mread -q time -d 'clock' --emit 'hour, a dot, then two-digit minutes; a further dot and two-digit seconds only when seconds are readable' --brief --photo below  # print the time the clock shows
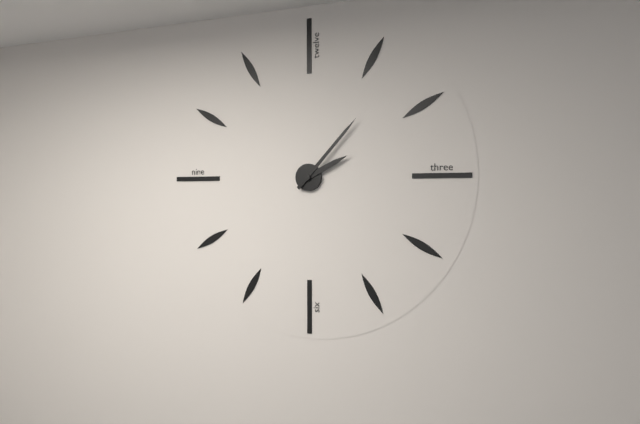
2.07
